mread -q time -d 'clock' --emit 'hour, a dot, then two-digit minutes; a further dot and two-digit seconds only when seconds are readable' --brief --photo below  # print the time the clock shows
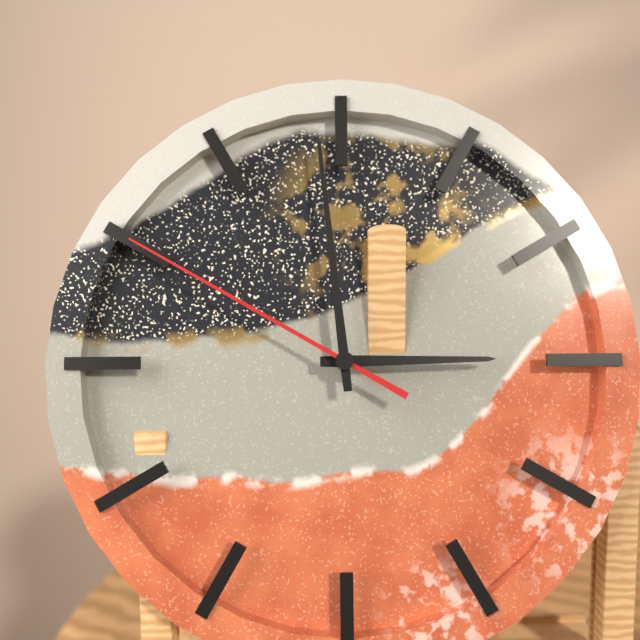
2.59.50
